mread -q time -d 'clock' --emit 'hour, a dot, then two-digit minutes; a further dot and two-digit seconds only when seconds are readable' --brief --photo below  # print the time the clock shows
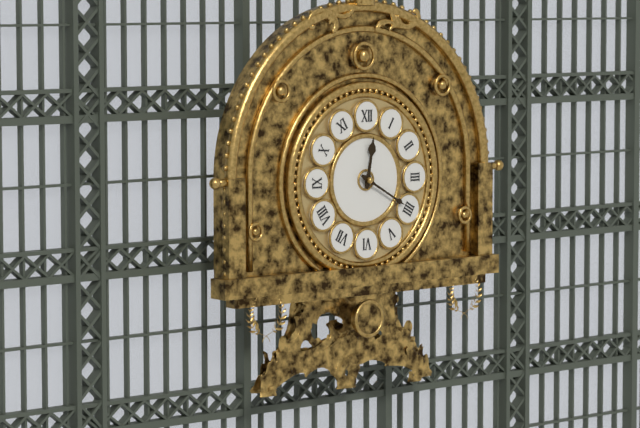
12.20
